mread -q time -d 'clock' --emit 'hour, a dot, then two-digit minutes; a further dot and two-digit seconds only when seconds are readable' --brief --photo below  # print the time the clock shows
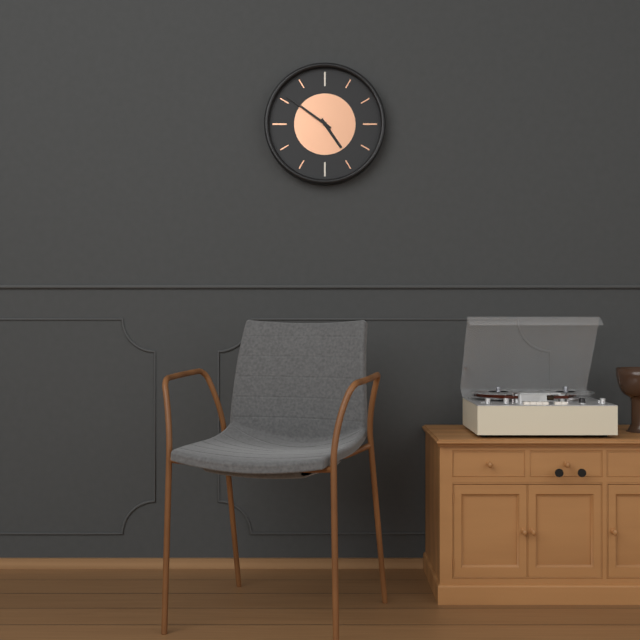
4.51
